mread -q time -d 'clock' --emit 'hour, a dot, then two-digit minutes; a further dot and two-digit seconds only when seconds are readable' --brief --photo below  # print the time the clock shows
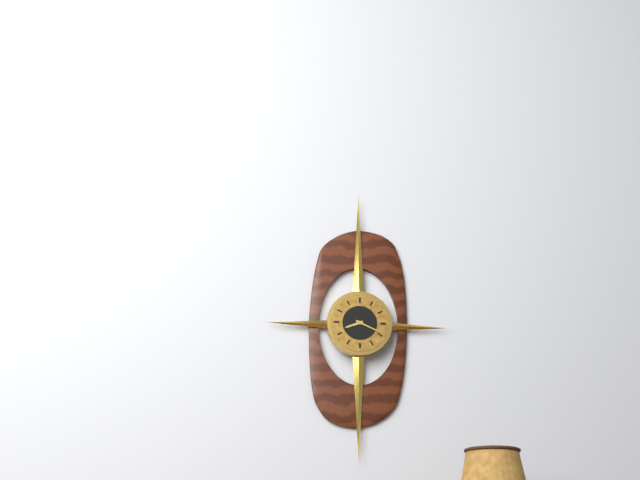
8.19
